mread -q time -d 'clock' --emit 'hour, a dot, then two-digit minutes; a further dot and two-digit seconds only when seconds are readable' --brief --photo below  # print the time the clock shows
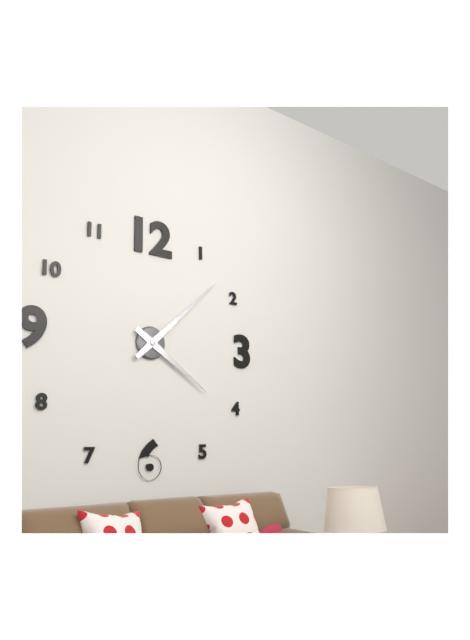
4.08
